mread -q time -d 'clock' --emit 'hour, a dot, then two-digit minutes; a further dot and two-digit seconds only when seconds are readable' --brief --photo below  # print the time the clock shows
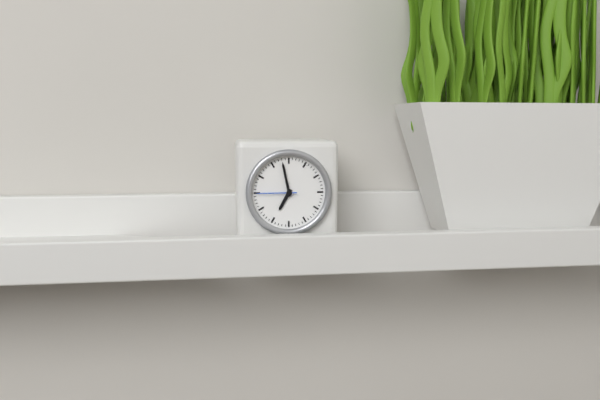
6.58
